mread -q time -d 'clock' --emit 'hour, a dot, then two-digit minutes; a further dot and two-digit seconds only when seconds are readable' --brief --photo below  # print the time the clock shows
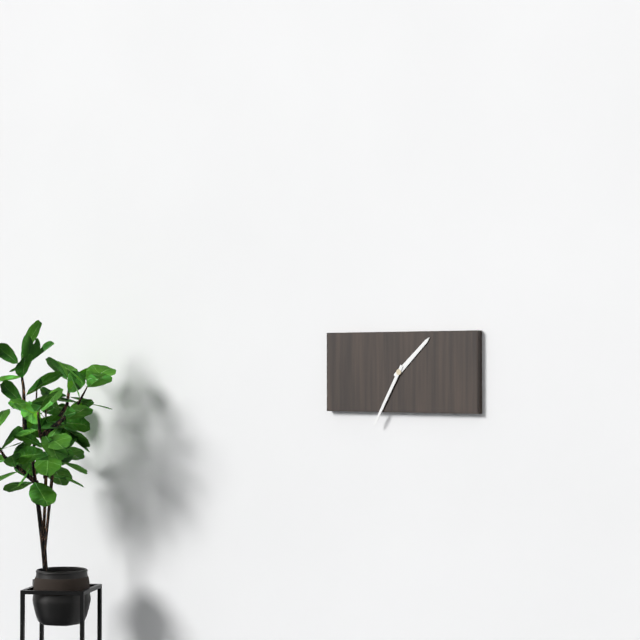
1.35
